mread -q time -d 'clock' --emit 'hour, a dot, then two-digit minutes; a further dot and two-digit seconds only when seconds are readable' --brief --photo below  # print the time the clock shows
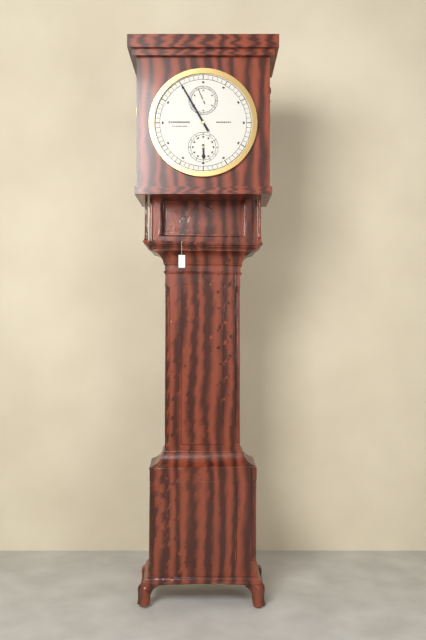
5.55
